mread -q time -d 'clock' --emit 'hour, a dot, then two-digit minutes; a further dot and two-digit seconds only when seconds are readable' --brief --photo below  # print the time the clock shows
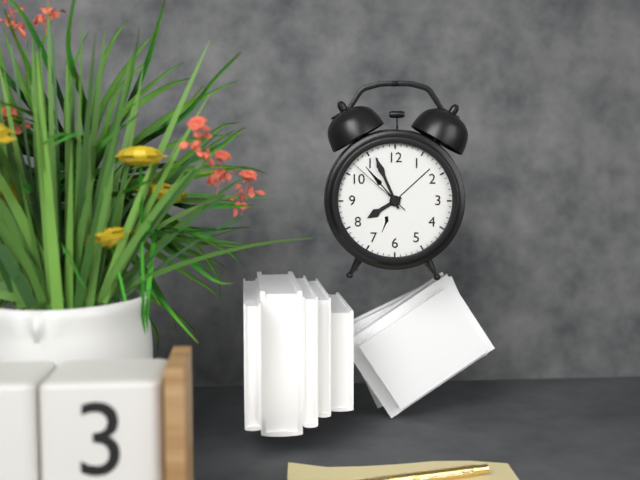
7.56.52
